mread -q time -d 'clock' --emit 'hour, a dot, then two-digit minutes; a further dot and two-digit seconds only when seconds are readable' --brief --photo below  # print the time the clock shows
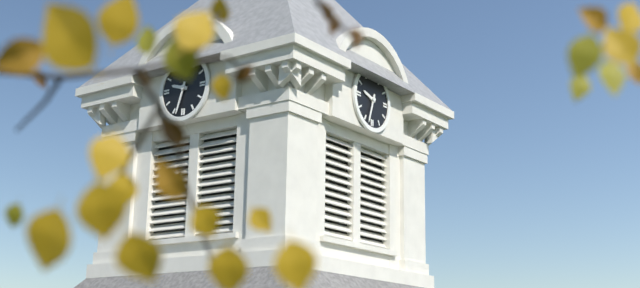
9.33
